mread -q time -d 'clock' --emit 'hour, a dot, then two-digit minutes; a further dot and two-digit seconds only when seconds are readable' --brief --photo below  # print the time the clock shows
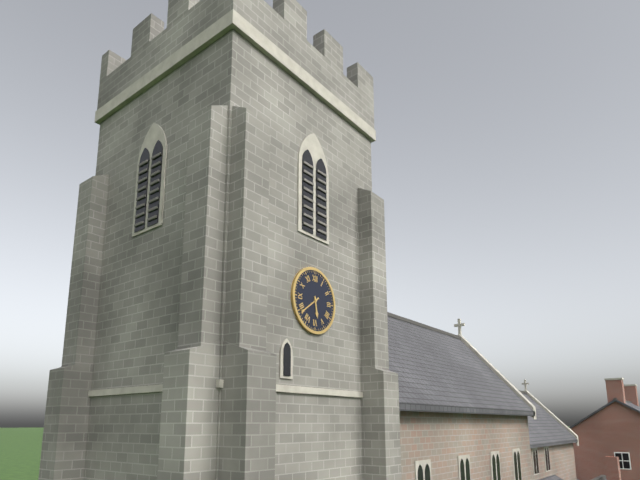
5.39
